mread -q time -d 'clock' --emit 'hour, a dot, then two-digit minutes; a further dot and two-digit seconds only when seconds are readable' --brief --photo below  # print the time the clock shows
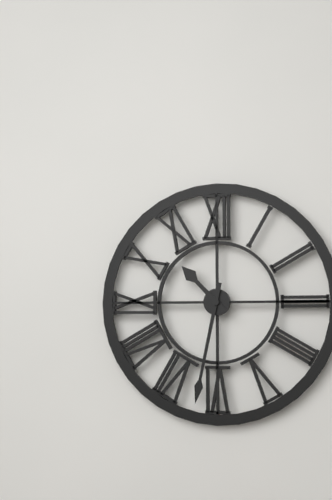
10.32
